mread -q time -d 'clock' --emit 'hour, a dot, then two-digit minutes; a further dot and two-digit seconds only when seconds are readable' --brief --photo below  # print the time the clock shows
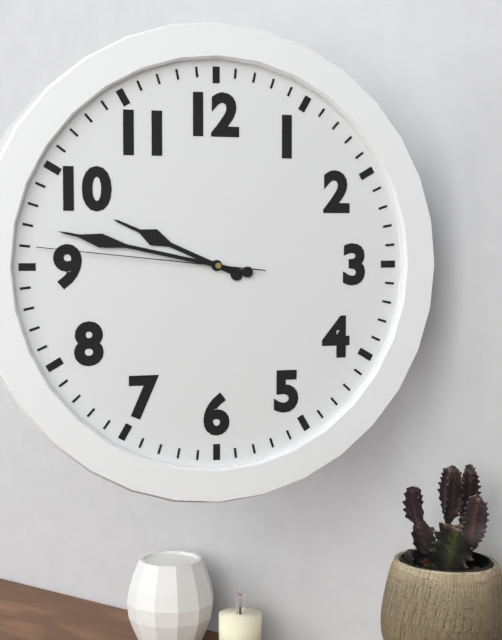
9.47.46
